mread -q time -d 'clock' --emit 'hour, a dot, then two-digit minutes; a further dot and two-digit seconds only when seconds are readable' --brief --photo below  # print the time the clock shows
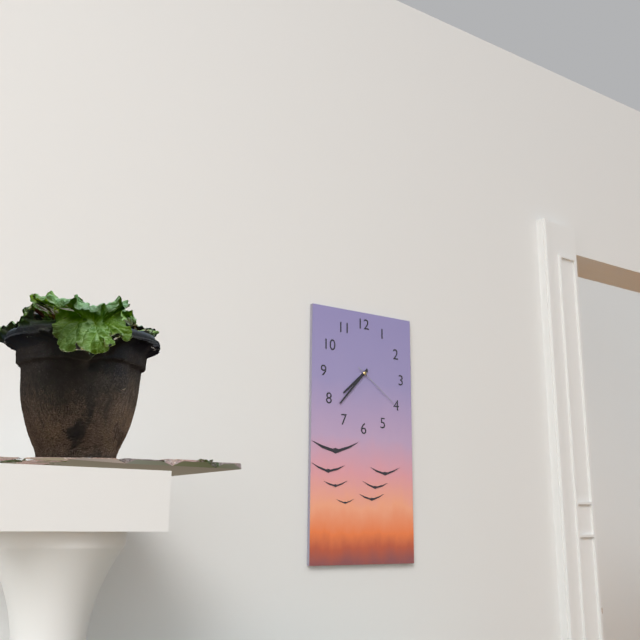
7.37.21
